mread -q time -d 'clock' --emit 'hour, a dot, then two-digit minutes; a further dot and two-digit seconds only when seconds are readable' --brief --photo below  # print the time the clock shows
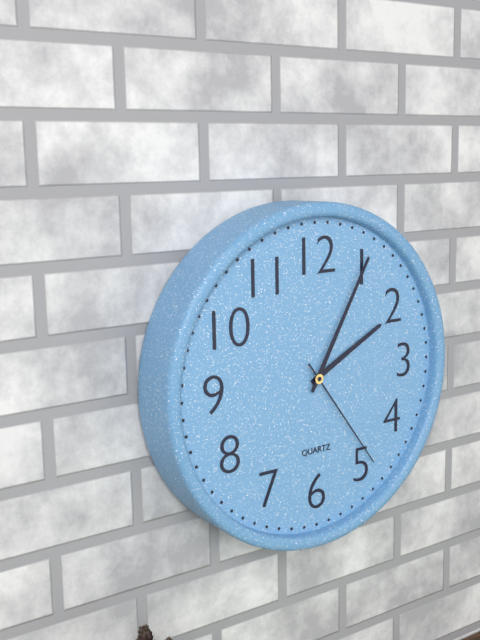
2.05.24
